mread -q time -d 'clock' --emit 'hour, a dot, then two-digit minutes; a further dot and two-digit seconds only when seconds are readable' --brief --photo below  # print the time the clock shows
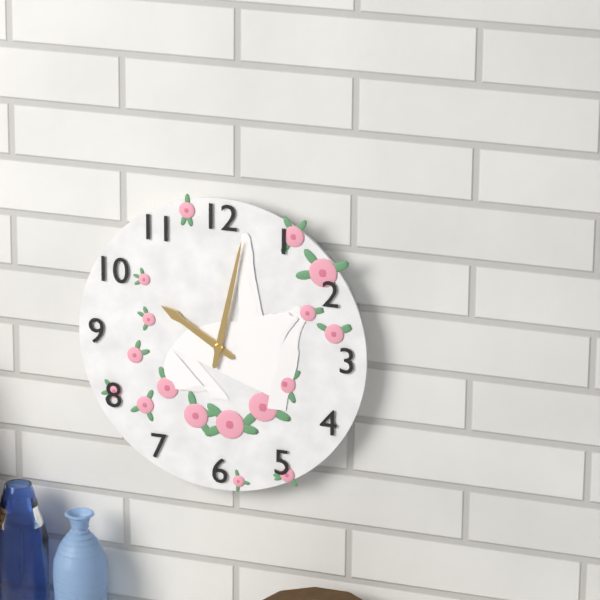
10.02
